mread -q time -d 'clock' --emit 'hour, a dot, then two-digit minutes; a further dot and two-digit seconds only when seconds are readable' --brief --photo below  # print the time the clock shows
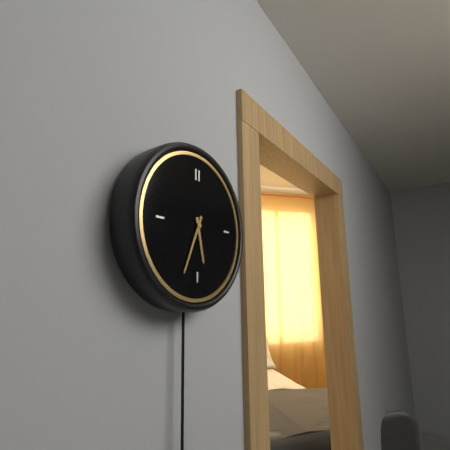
5.34
